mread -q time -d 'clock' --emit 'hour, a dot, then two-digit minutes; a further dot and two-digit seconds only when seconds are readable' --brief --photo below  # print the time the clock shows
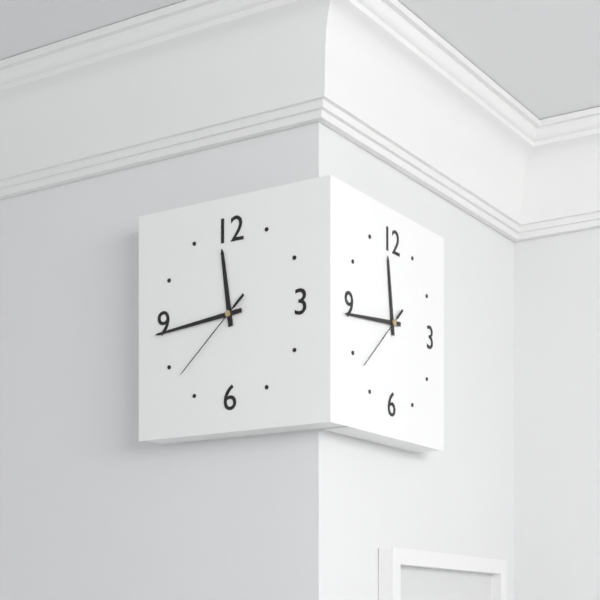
11.44.38
